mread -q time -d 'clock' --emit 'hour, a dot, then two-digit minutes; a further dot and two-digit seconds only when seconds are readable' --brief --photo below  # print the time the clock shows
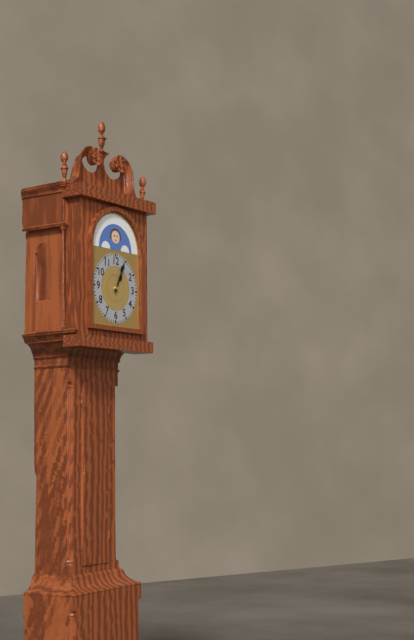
1.04
